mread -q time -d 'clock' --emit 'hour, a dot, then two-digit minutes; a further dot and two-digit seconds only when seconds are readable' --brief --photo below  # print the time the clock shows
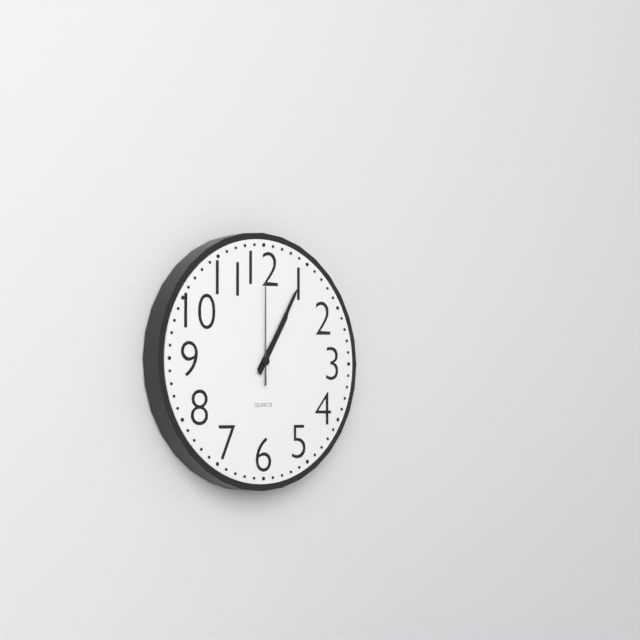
1.05.00
